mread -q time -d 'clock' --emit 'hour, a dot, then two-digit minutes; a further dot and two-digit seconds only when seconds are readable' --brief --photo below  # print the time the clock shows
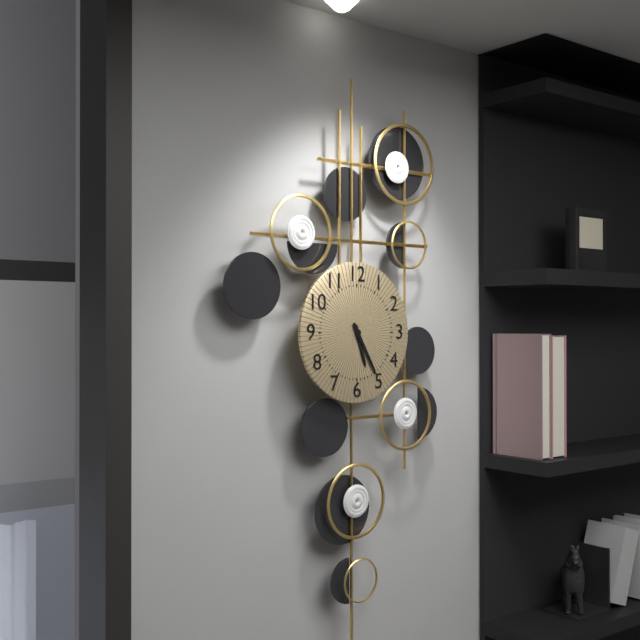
5.25
